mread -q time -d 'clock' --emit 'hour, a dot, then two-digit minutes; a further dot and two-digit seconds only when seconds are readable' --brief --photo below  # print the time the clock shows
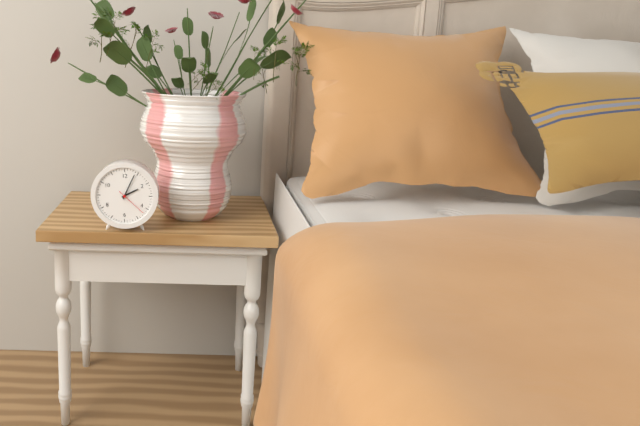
2.04
